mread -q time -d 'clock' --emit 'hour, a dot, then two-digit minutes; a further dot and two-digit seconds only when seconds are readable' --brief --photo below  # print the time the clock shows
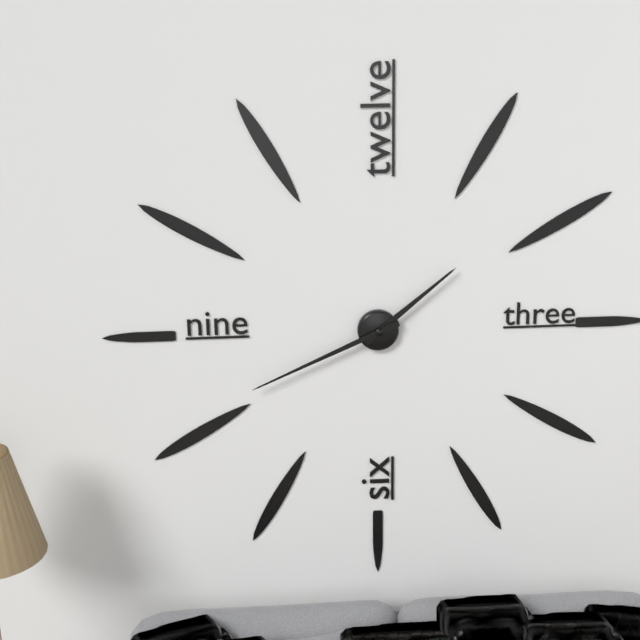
1.41
